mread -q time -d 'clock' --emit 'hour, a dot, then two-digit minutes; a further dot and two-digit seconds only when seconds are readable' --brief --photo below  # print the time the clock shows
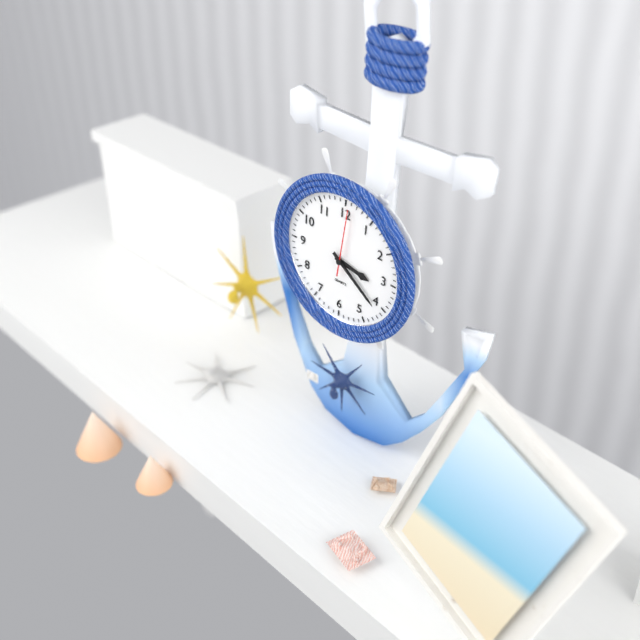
3.21.01
